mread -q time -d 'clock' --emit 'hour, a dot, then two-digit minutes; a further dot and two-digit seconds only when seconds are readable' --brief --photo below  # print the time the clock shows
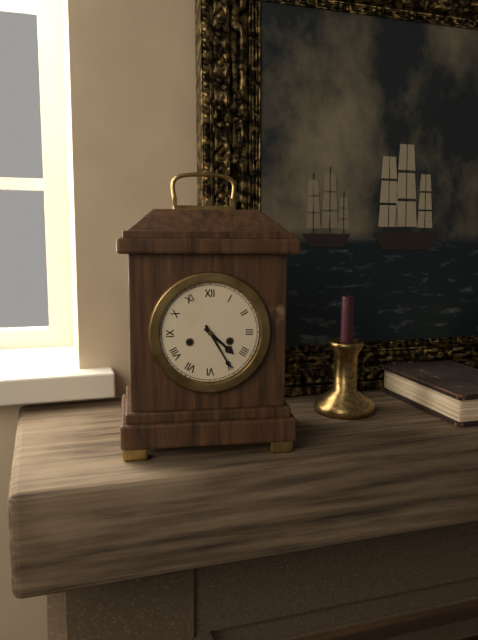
4.25
